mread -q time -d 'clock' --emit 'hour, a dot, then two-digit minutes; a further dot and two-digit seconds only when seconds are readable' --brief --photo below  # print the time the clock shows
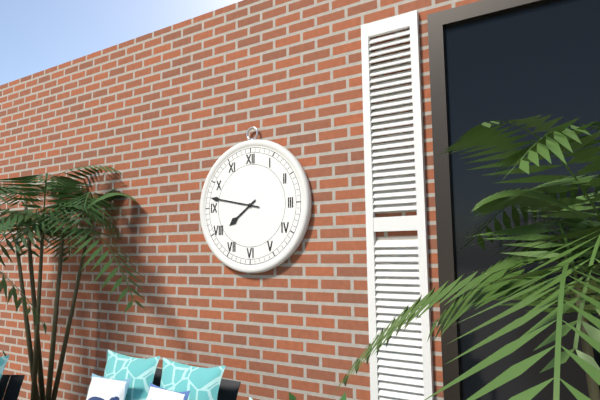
7.47
